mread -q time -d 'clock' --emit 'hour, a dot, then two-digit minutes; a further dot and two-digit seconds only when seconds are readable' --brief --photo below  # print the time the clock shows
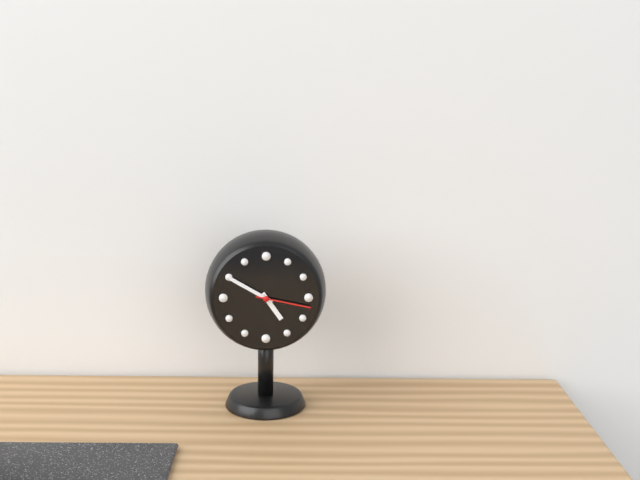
4.50.17
